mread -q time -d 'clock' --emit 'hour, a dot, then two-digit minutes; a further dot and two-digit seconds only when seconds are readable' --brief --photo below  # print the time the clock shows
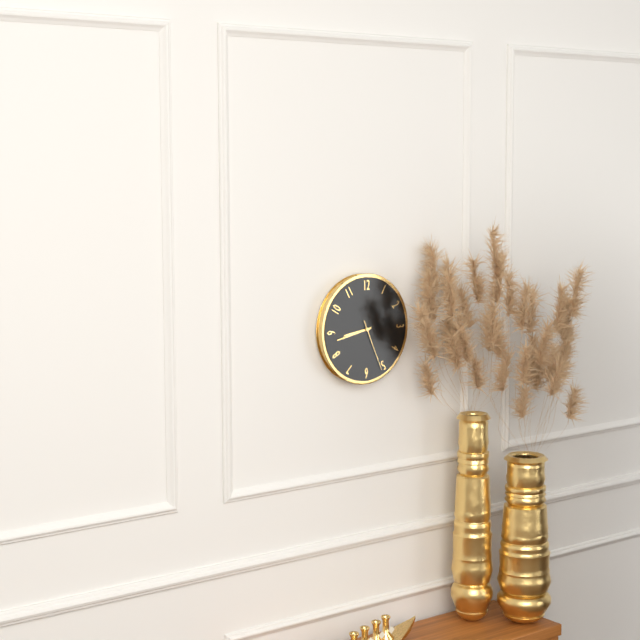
8.43.26
